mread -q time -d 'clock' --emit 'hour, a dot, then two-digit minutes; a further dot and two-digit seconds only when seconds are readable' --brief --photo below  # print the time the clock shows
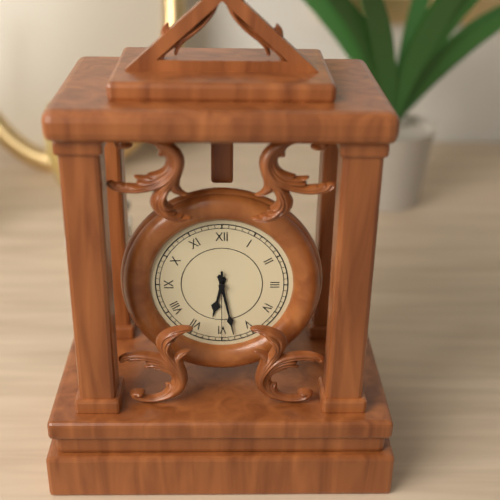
6.28.30
